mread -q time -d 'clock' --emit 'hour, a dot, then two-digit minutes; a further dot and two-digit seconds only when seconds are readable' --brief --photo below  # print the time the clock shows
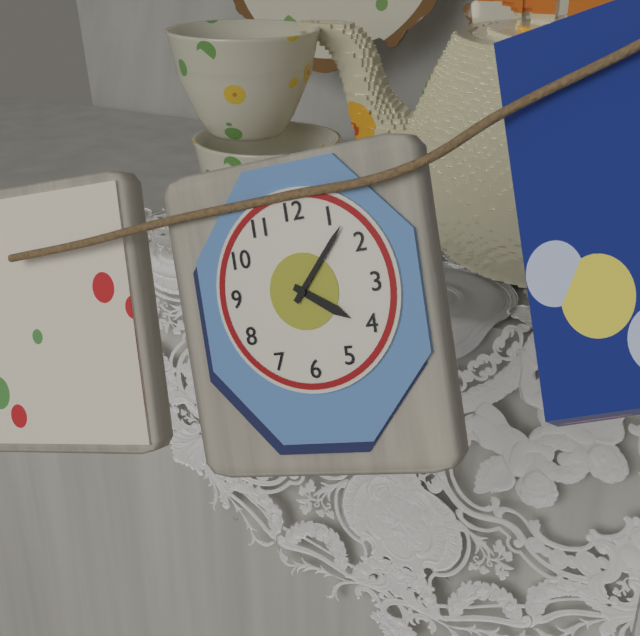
4.07
